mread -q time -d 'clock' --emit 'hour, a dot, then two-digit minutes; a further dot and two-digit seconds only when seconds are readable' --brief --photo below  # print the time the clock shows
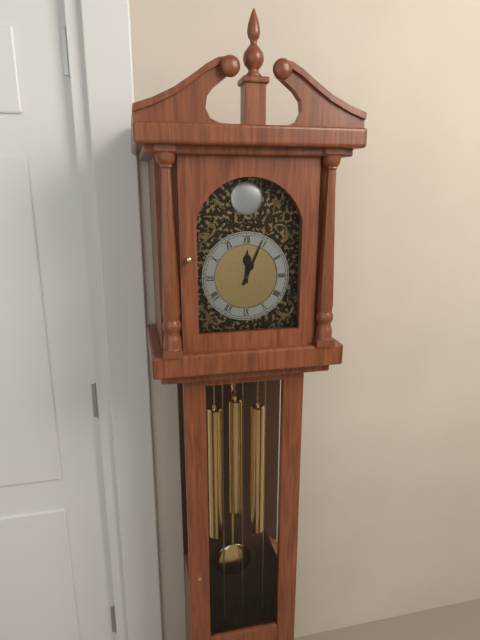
12.04
